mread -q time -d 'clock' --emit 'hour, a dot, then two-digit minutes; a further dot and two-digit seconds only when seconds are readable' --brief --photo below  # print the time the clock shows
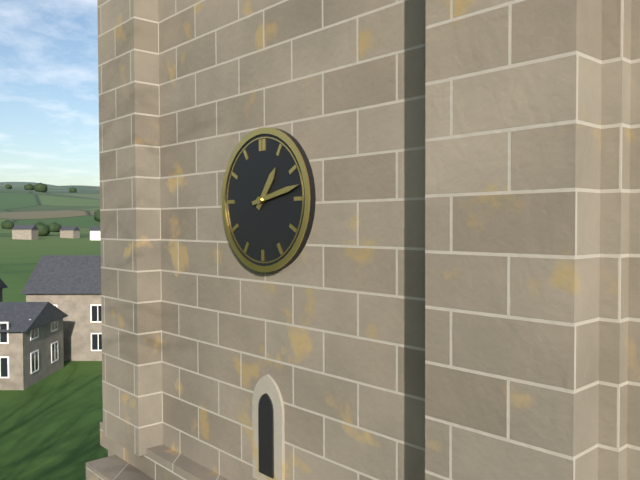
1.13
